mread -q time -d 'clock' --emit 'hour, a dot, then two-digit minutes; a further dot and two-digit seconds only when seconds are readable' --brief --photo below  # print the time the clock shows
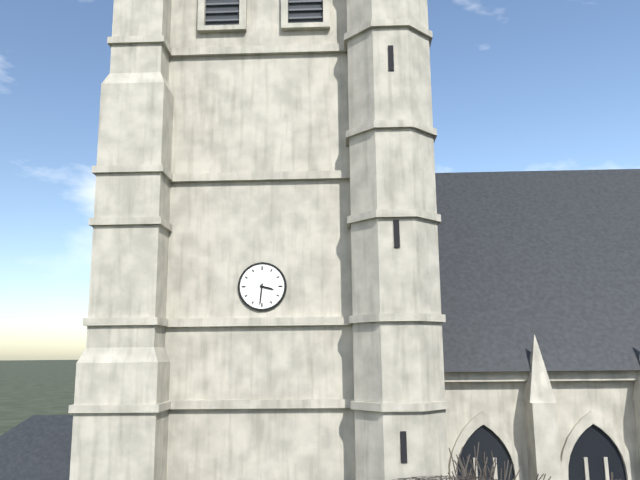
3.31
